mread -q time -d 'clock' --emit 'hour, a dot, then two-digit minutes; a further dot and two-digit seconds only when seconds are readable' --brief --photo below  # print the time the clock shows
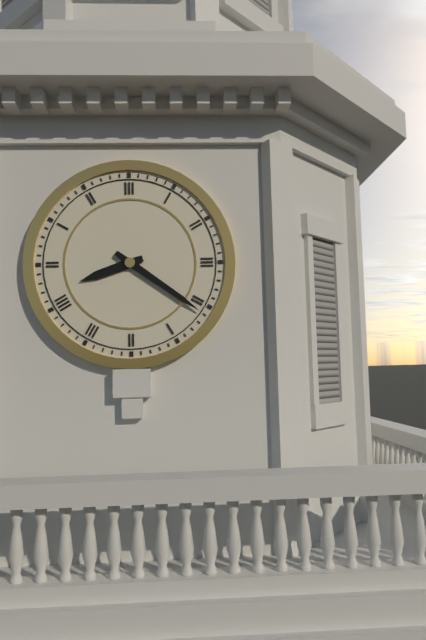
8.21
